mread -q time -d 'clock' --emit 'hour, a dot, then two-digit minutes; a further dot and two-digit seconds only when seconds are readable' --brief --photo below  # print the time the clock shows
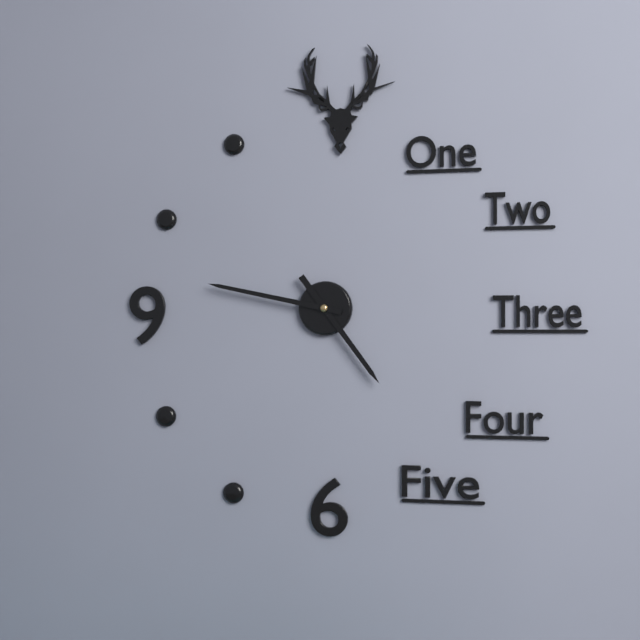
4.47
